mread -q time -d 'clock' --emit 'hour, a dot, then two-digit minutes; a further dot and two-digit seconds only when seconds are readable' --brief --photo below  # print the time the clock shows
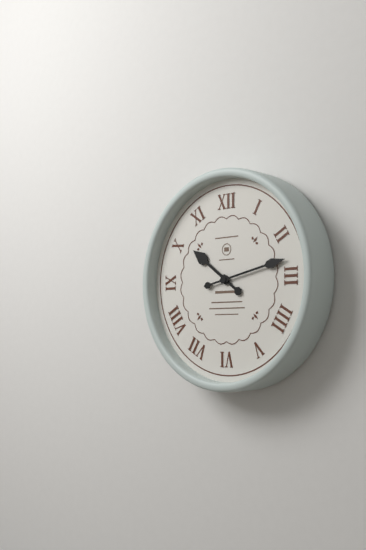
10.13
